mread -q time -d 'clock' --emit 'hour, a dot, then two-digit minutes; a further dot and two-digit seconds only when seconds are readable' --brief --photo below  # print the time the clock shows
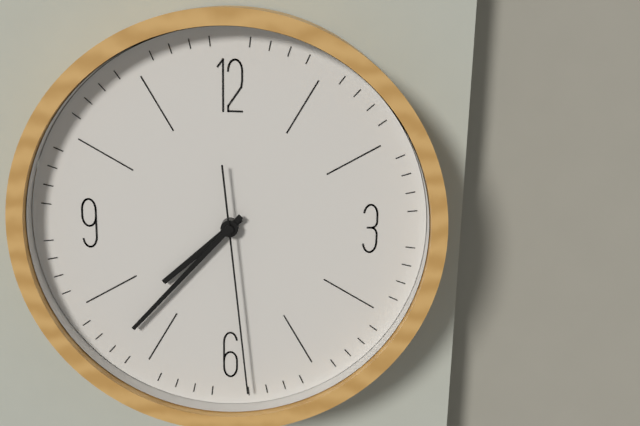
7.37.29
